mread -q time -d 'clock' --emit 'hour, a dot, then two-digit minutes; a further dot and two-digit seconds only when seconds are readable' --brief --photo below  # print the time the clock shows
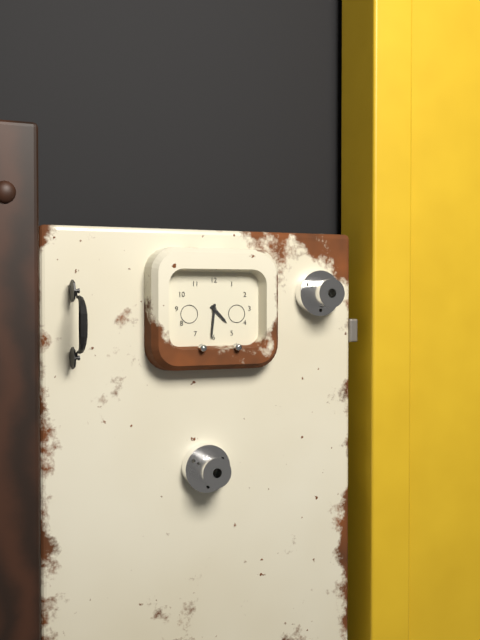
4.31
